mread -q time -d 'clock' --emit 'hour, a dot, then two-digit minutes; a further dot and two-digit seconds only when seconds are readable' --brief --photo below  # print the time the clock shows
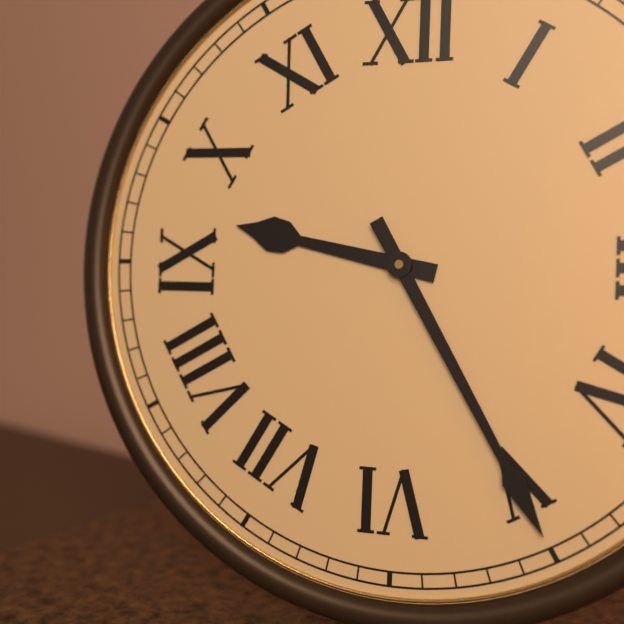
9.25
